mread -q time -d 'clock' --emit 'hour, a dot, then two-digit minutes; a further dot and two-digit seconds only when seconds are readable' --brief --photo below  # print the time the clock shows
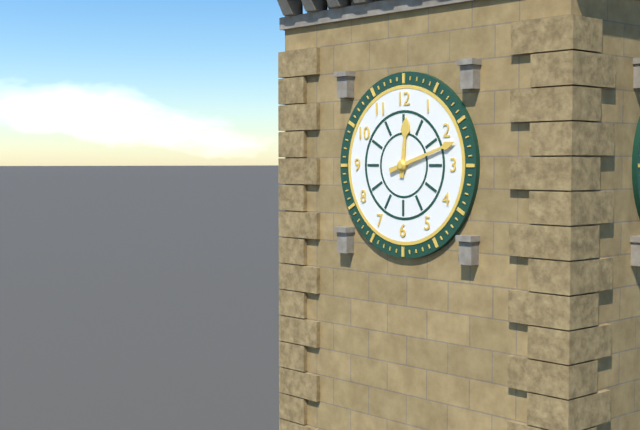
12.12
